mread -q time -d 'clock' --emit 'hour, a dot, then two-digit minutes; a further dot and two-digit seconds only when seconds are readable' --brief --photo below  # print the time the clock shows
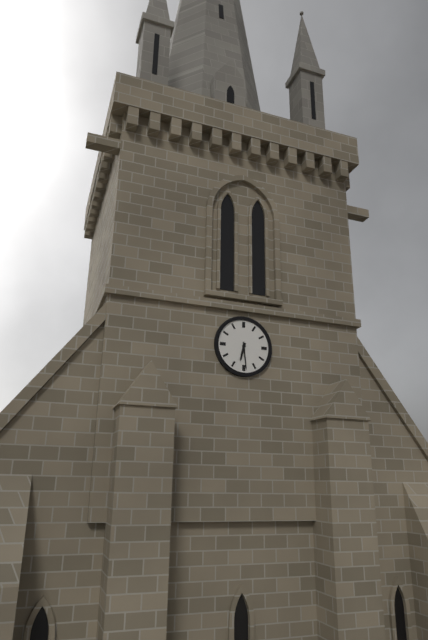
6.29
